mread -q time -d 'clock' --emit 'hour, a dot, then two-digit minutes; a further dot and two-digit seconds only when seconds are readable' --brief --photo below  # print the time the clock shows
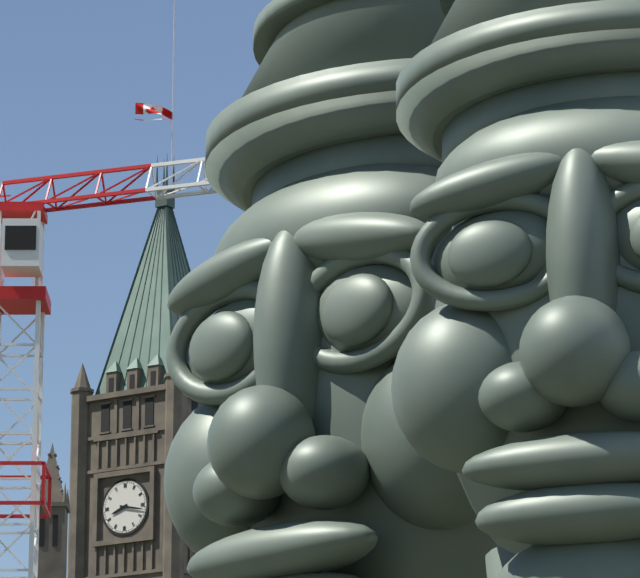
8.17
